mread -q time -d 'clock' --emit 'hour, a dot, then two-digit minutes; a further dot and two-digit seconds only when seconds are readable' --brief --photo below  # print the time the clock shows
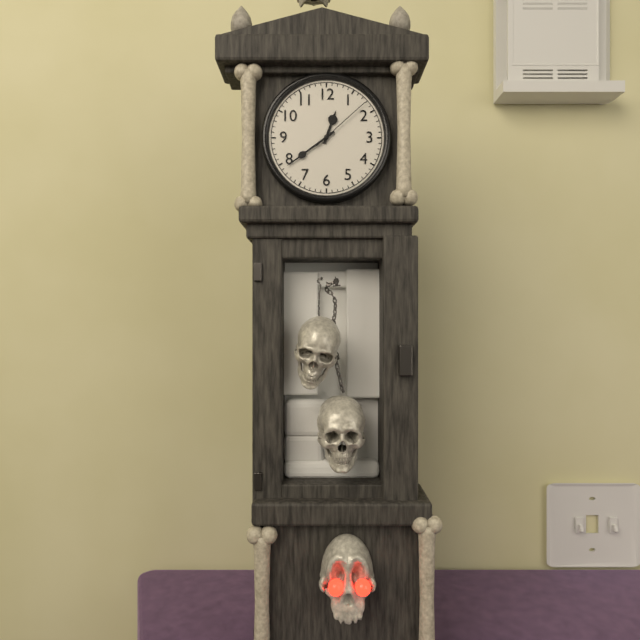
12.39.08
